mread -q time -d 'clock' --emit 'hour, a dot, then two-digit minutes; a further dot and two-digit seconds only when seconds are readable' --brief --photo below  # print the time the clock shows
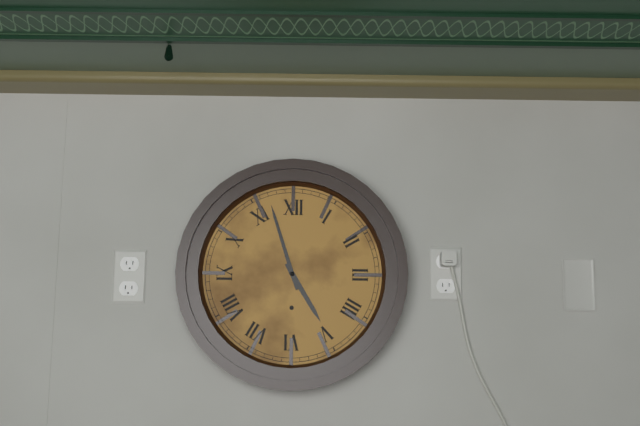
4.57
